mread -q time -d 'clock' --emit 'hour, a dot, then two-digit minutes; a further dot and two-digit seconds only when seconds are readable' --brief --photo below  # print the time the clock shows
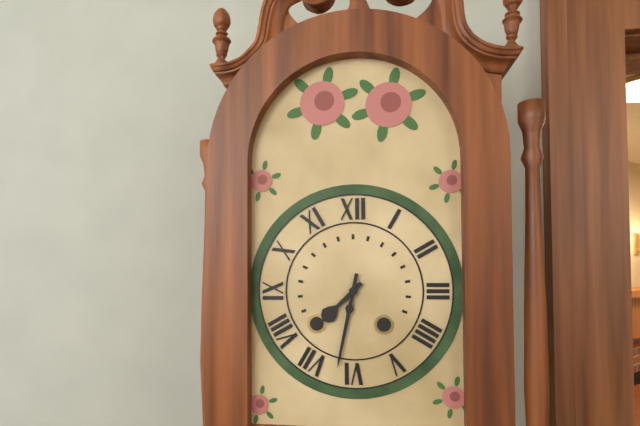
7.32
